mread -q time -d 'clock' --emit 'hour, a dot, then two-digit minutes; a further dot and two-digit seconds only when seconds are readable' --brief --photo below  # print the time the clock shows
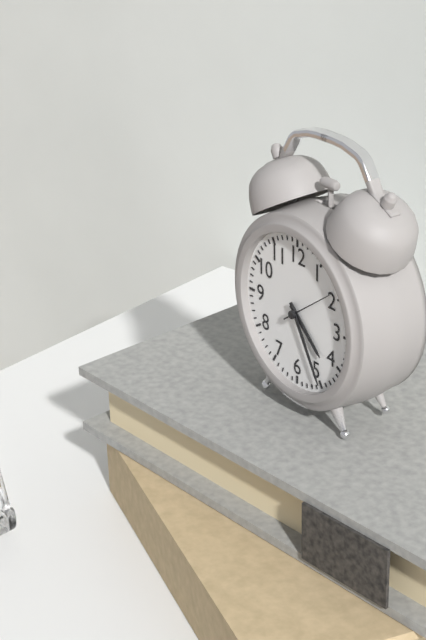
4.25.09
